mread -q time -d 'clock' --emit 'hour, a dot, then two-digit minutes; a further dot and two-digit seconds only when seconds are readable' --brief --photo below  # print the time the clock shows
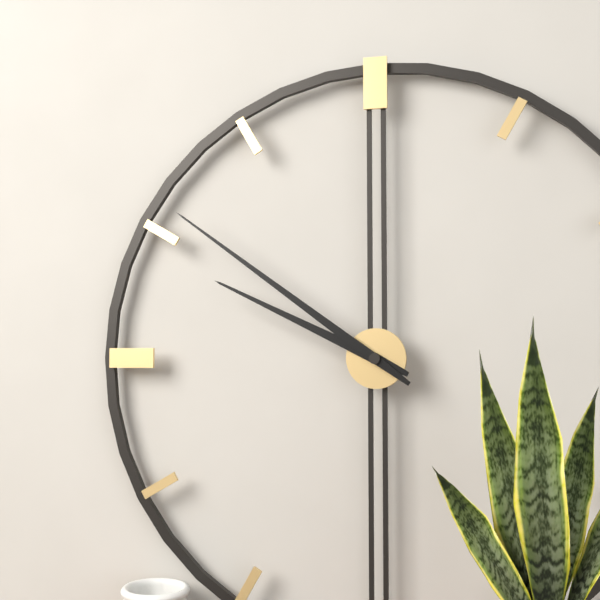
9.51
